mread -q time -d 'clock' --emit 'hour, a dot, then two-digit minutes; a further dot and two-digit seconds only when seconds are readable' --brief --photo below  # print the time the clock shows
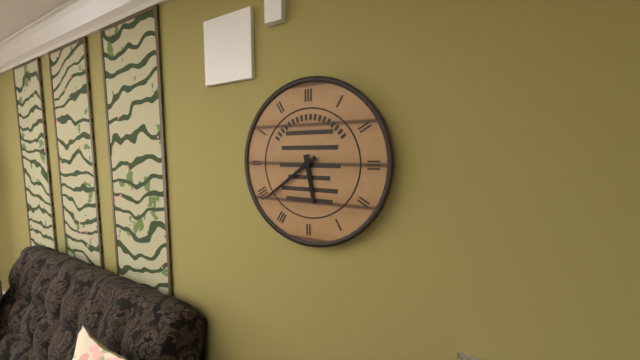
5.39
